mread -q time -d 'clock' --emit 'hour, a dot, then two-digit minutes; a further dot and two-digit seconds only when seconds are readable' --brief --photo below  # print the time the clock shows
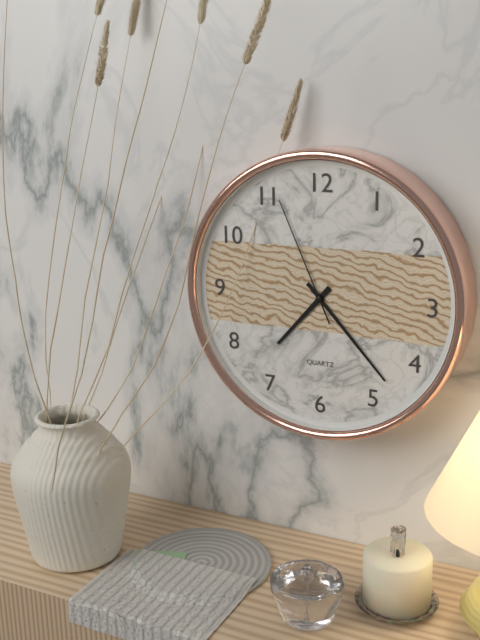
7.23.56
